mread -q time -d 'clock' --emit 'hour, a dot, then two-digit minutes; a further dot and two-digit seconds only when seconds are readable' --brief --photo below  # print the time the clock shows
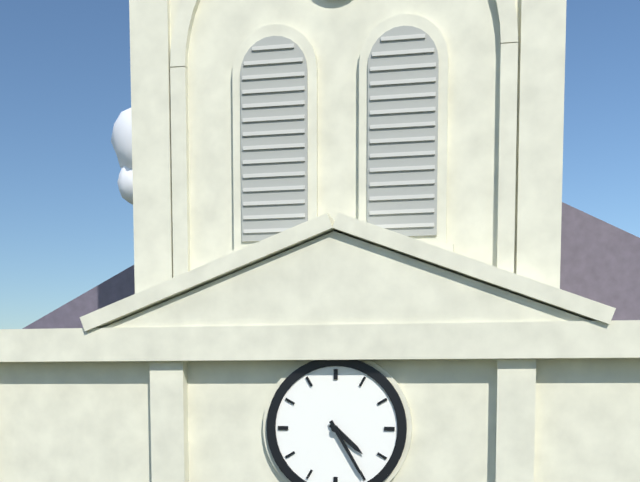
4.25
